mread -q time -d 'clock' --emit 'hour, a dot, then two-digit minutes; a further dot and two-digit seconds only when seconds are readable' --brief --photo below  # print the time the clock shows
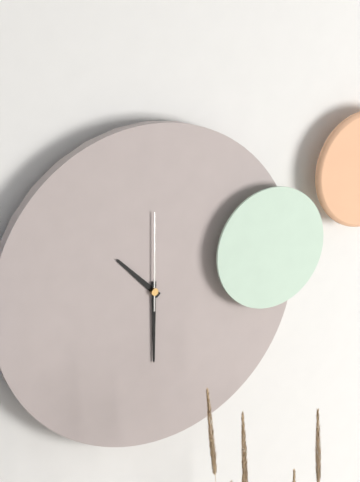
10.30.00
